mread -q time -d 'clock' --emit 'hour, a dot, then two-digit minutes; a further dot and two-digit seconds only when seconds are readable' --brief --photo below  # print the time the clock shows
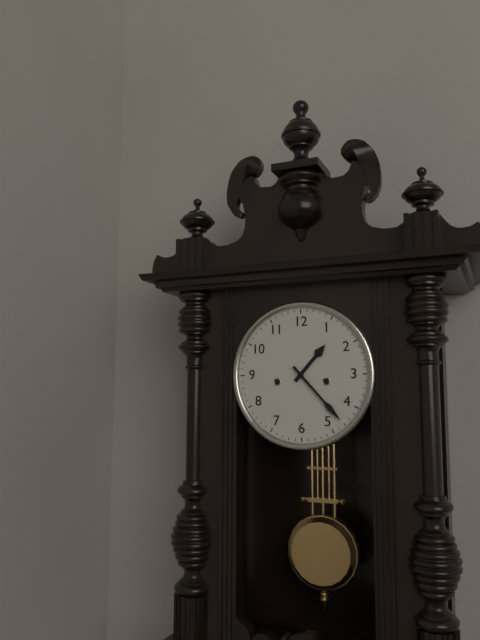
1.23
